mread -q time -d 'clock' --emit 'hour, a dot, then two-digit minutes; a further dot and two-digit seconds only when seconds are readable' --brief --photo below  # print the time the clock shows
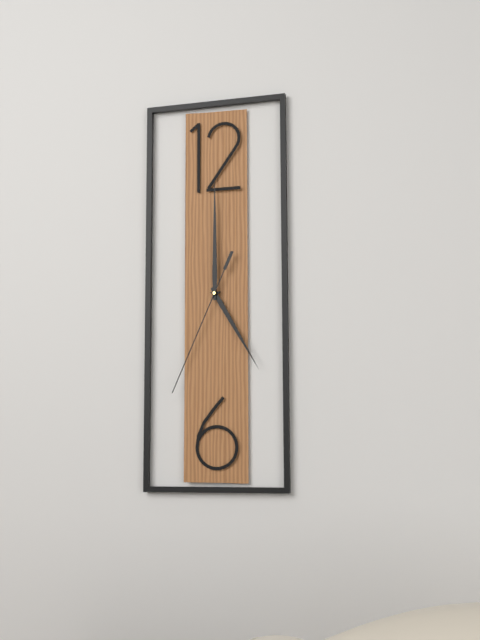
5.00.34
